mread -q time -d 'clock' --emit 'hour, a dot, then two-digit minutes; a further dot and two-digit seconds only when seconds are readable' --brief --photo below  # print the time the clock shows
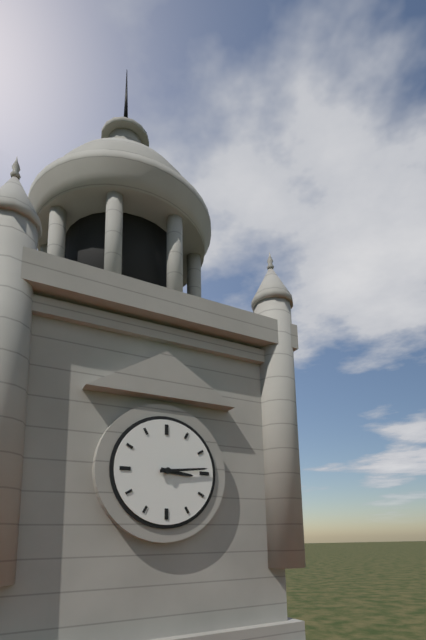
3.14
